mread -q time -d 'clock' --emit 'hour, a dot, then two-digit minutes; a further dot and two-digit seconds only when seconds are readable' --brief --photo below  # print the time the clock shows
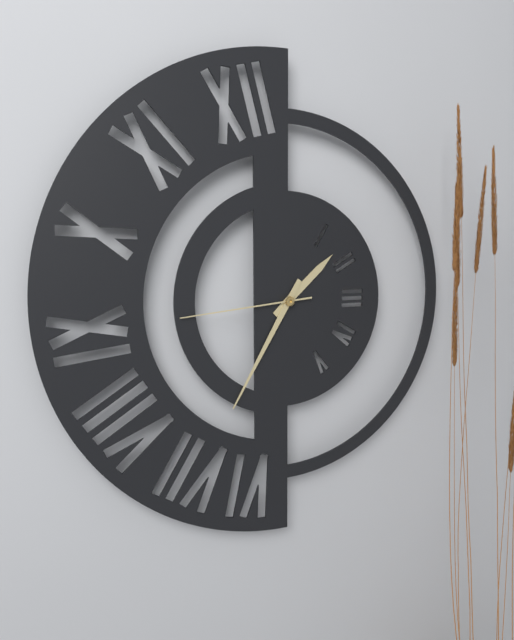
1.35.44
